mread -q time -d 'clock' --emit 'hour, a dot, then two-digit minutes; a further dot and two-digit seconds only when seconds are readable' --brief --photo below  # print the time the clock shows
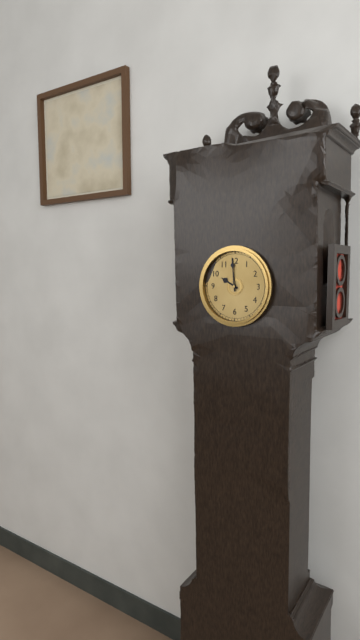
9.59
